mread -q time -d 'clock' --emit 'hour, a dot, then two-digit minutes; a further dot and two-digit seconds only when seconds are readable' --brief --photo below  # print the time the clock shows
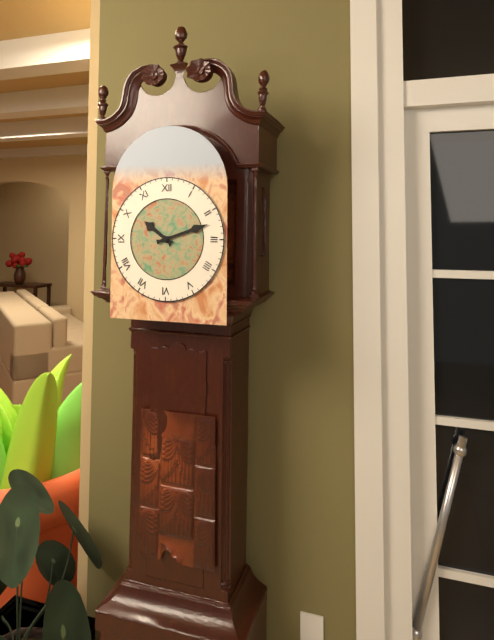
10.12
